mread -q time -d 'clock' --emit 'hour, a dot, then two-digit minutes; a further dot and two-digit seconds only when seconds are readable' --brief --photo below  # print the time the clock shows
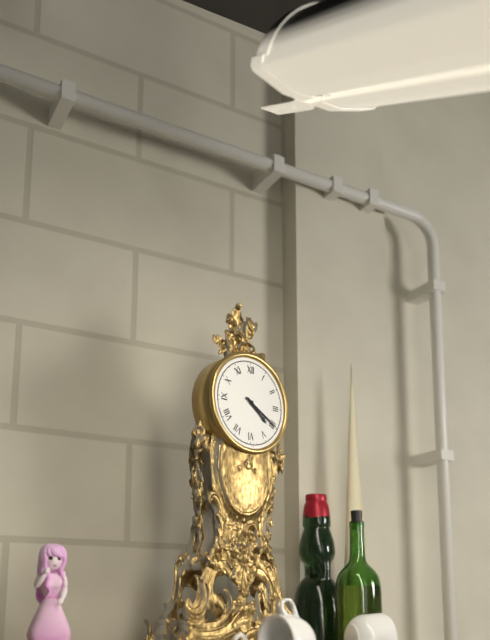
4.20
